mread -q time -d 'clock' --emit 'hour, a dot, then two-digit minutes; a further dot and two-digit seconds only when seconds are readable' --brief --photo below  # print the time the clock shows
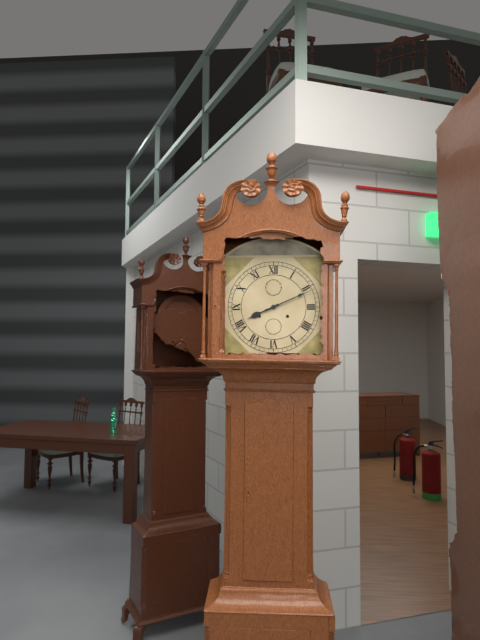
8.11
